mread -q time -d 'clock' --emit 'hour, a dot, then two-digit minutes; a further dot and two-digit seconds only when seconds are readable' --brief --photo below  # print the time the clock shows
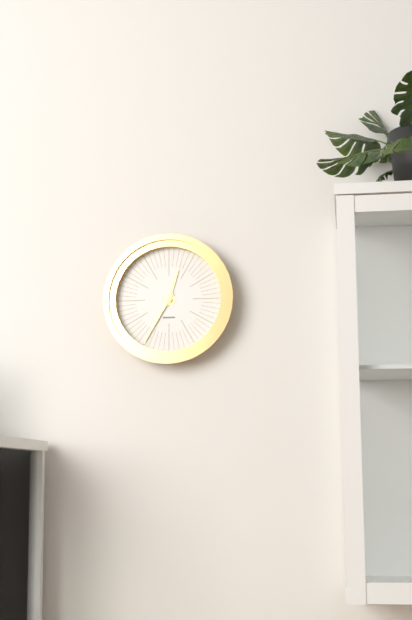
12.35
